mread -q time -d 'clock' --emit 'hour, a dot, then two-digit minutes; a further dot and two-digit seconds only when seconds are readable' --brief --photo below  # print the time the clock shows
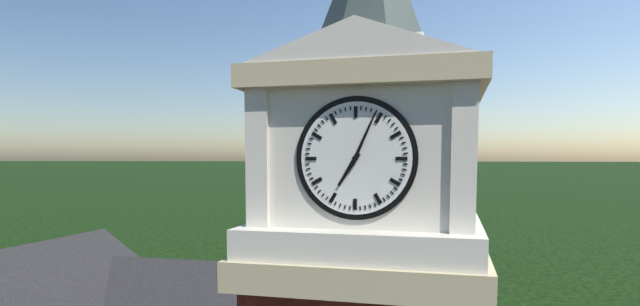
7.04
